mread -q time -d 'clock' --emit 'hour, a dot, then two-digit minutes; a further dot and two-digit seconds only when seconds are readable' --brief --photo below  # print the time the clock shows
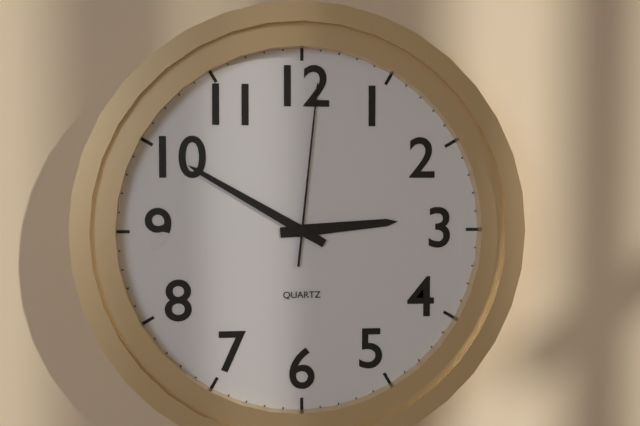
2.50.01
